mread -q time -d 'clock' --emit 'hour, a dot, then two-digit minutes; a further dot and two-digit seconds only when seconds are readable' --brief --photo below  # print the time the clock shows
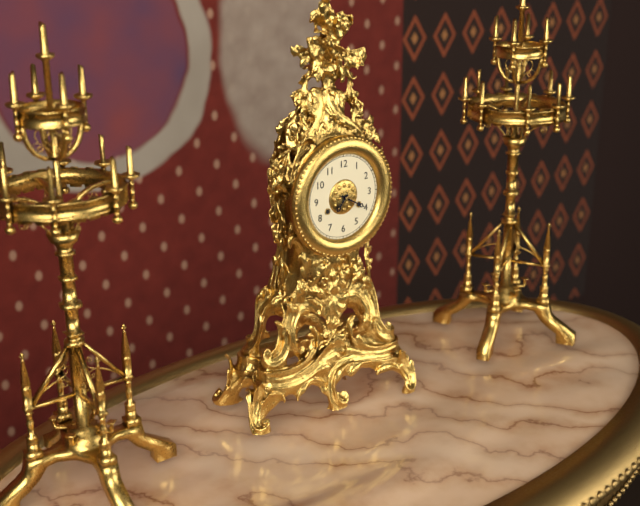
7.20
